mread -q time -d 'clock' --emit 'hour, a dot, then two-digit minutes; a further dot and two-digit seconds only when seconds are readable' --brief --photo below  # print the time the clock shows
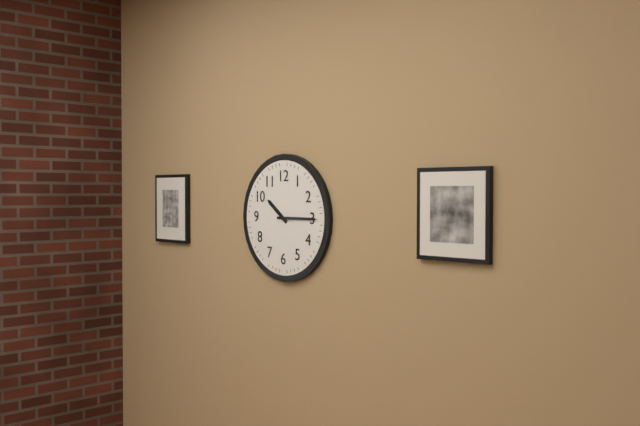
10.15
